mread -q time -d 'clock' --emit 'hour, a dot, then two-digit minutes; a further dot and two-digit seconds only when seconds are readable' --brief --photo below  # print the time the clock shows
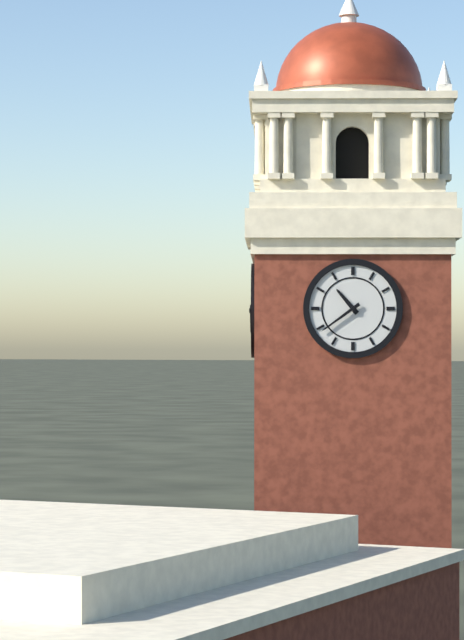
10.39
